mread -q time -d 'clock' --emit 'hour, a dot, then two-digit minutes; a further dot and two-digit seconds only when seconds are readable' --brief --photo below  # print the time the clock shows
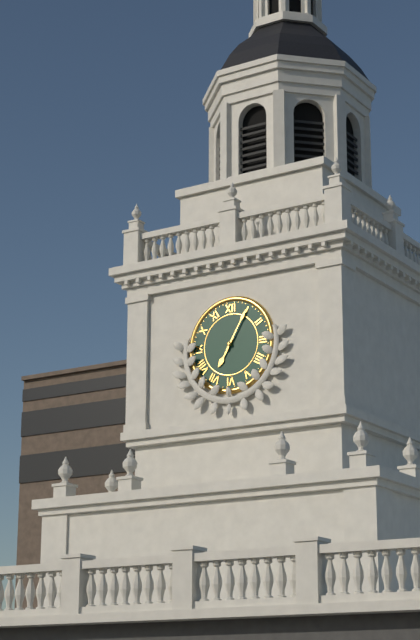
7.05
